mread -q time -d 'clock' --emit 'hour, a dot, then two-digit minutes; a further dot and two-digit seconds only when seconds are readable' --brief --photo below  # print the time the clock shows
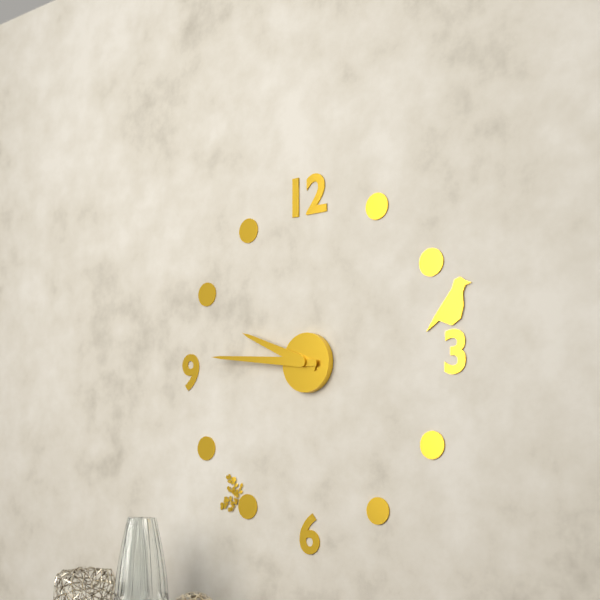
9.46
